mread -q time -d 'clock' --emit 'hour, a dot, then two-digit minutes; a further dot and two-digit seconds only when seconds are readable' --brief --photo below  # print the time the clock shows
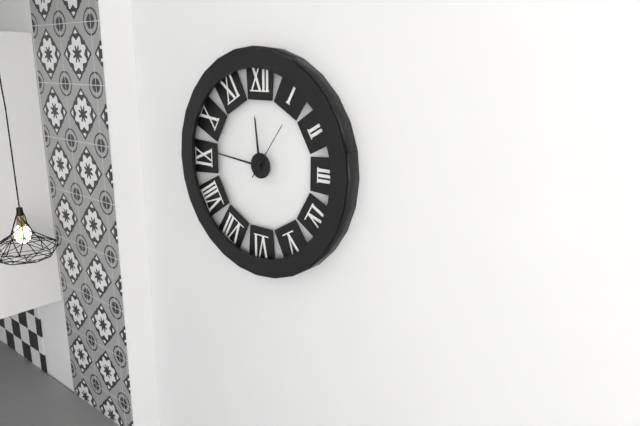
11.46.06
